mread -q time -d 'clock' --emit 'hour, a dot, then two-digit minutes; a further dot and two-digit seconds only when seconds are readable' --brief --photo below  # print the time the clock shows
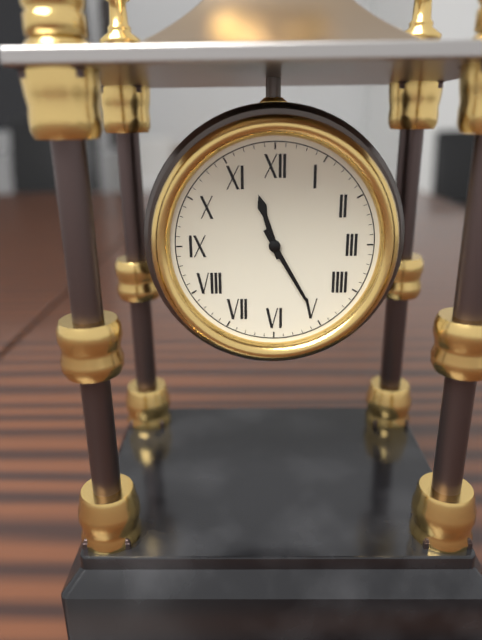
11.25
